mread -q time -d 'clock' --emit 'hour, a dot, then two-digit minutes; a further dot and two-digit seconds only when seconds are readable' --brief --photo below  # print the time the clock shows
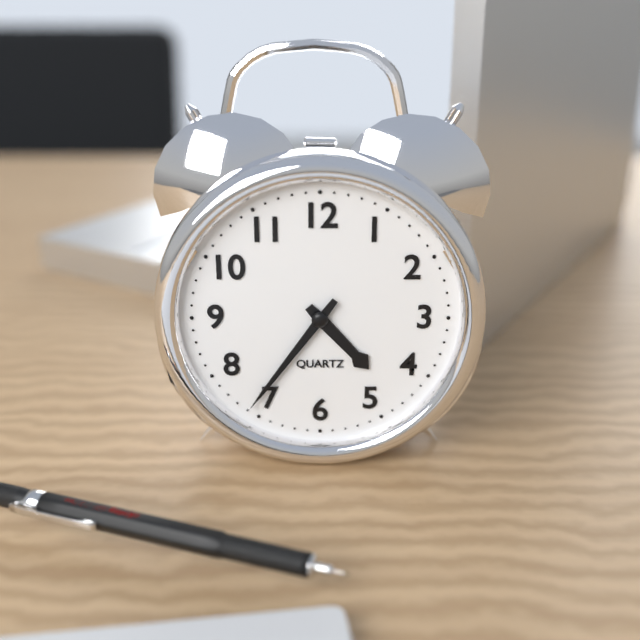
4.36
